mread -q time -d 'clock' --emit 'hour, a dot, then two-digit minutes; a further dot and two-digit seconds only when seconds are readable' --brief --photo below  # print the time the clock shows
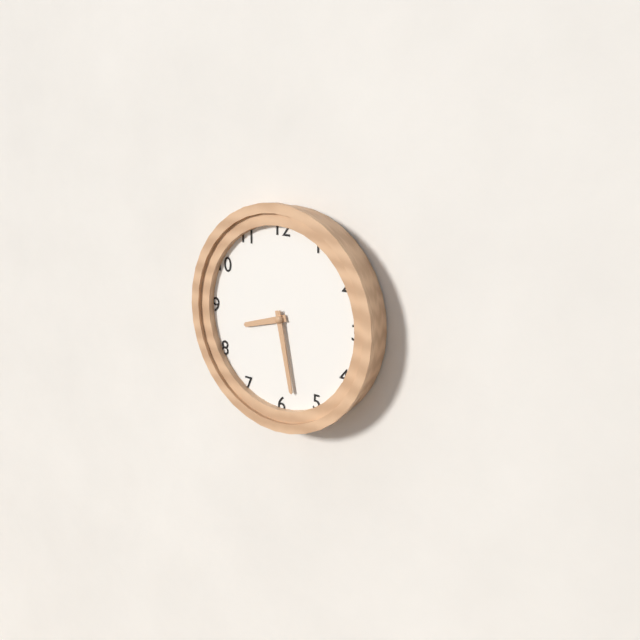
8.28
